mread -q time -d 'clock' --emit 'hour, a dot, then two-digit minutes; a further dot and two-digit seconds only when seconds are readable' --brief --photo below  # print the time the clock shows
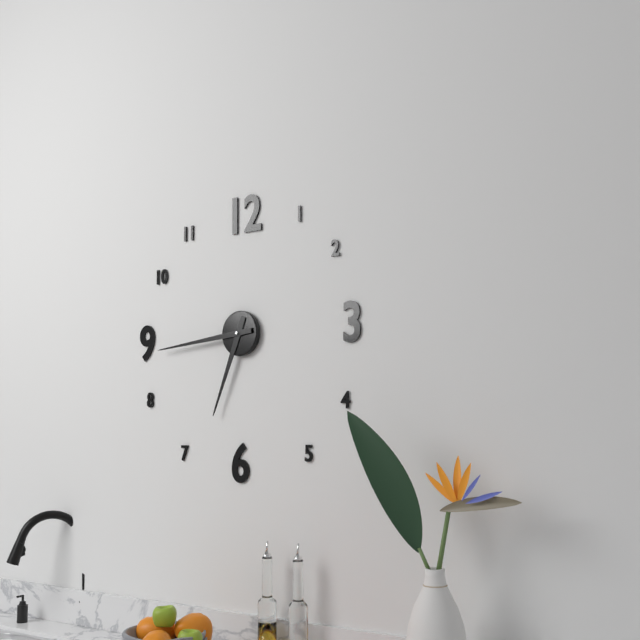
6.44
